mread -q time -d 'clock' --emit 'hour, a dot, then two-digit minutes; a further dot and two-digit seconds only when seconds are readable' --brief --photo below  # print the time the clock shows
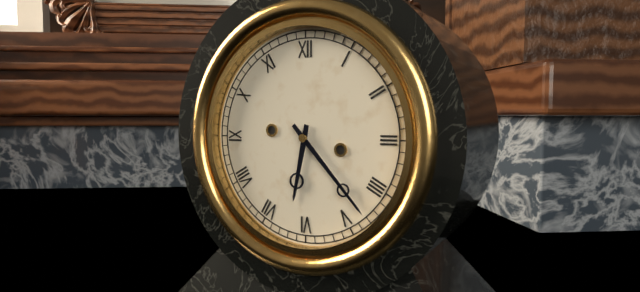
6.23
